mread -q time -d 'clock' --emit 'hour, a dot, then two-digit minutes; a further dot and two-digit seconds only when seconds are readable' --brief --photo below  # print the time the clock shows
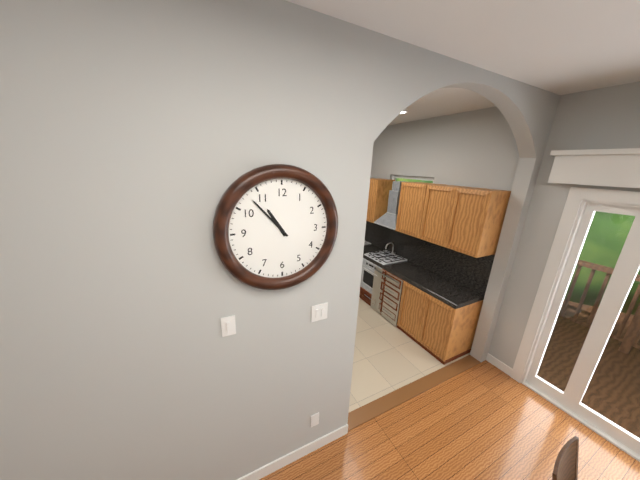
10.53
